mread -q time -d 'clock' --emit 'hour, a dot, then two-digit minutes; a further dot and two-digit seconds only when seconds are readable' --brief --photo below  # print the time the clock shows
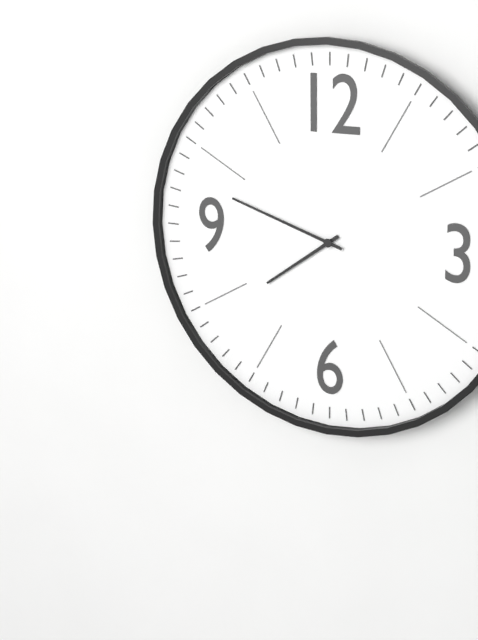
7.48
